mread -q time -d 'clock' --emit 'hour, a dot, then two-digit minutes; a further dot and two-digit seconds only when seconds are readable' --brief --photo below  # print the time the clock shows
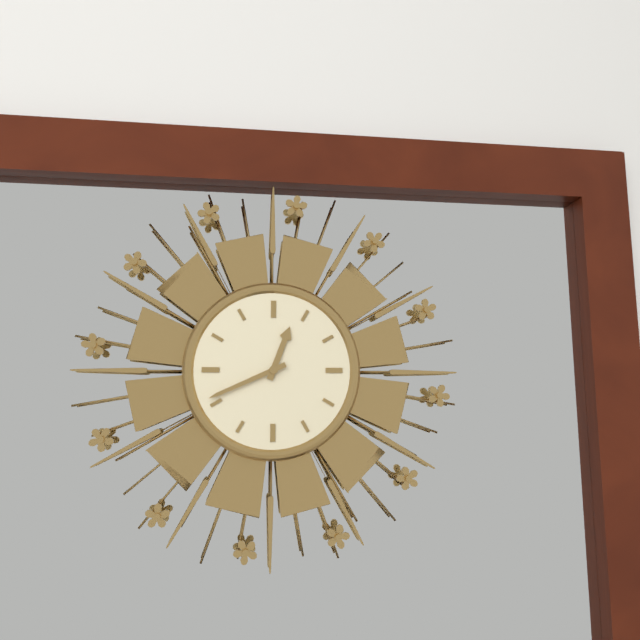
12.41
